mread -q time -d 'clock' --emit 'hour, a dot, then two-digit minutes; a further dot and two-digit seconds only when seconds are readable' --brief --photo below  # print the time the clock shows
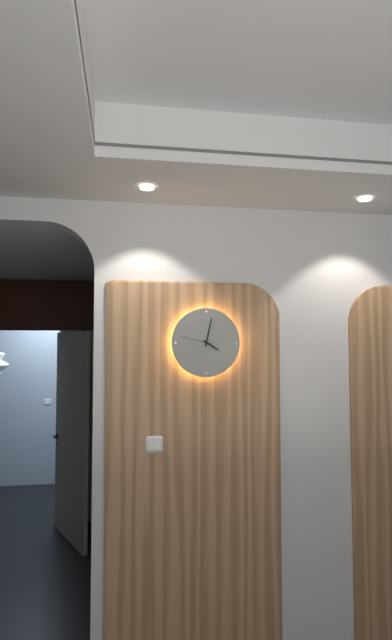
4.02
